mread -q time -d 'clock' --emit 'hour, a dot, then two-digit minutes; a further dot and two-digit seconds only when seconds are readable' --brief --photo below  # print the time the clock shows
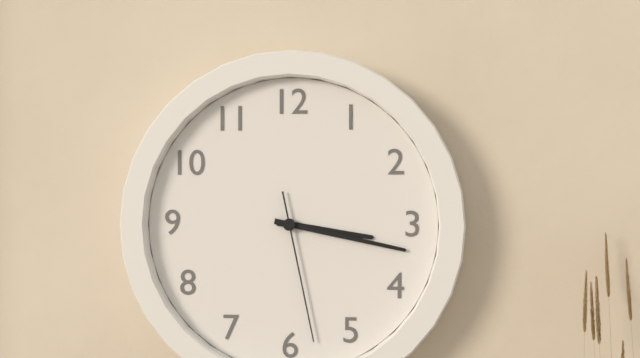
3.17.28
